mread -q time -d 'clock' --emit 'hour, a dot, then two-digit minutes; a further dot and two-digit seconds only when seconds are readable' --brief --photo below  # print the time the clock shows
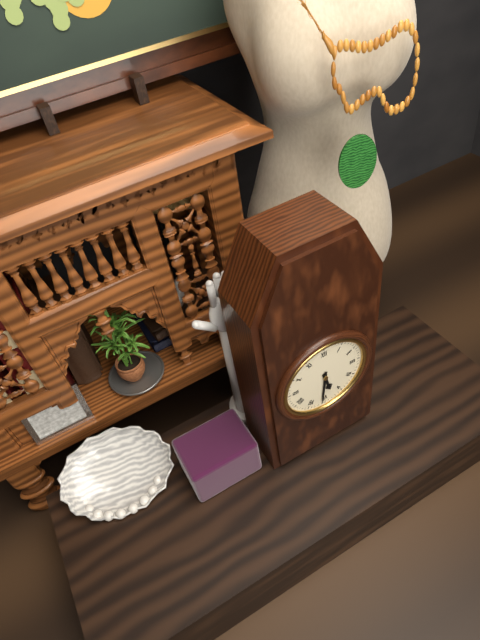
5.31
